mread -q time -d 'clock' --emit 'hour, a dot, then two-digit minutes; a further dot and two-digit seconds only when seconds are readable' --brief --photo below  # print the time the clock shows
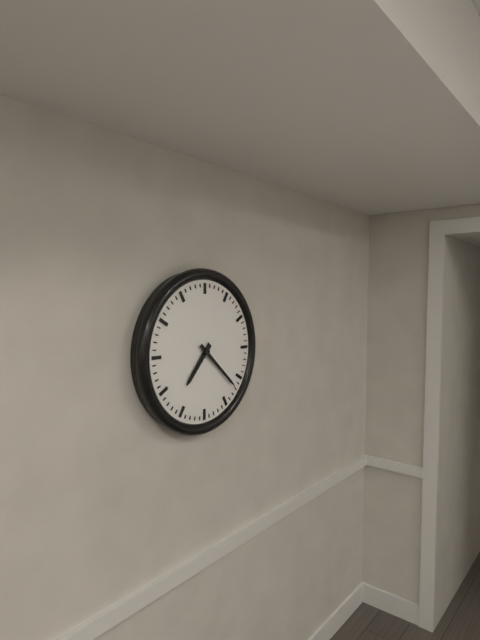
7.22
